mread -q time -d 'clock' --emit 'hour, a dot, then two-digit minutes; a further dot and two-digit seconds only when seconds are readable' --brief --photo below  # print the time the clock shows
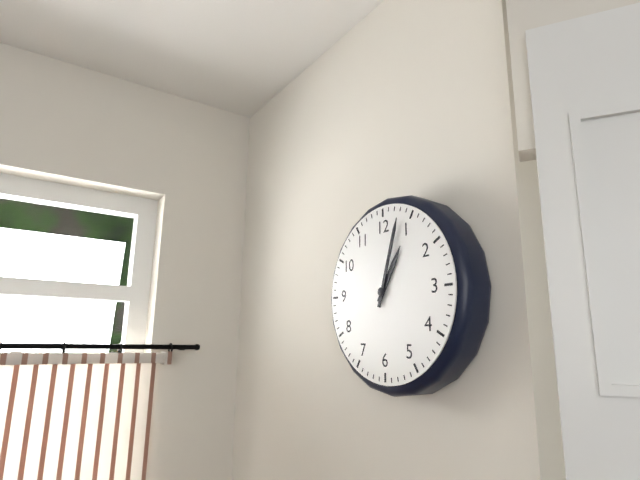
1.03
